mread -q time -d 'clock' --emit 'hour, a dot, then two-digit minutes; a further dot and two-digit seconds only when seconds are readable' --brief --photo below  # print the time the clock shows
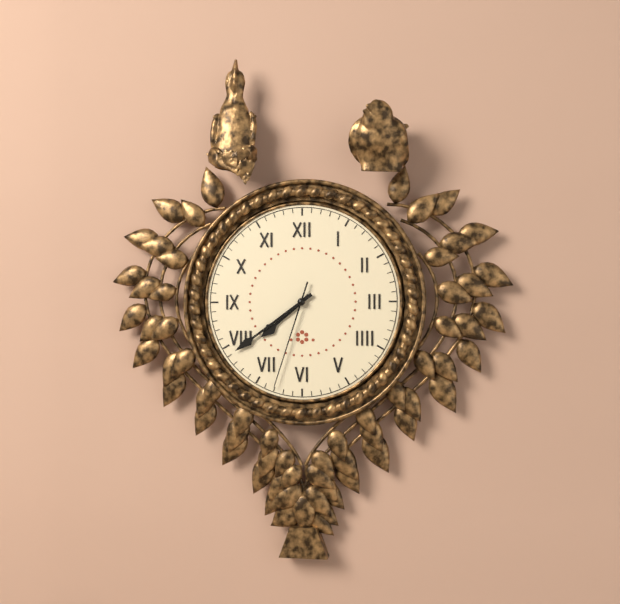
7.39.33
